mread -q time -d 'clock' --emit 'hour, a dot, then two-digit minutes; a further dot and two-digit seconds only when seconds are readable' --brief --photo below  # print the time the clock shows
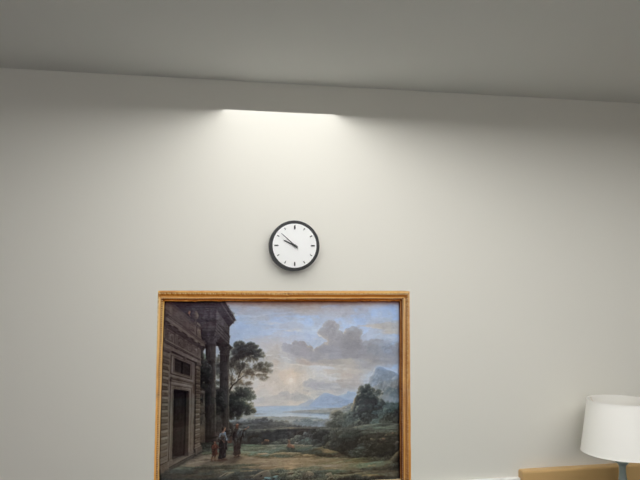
9.52
